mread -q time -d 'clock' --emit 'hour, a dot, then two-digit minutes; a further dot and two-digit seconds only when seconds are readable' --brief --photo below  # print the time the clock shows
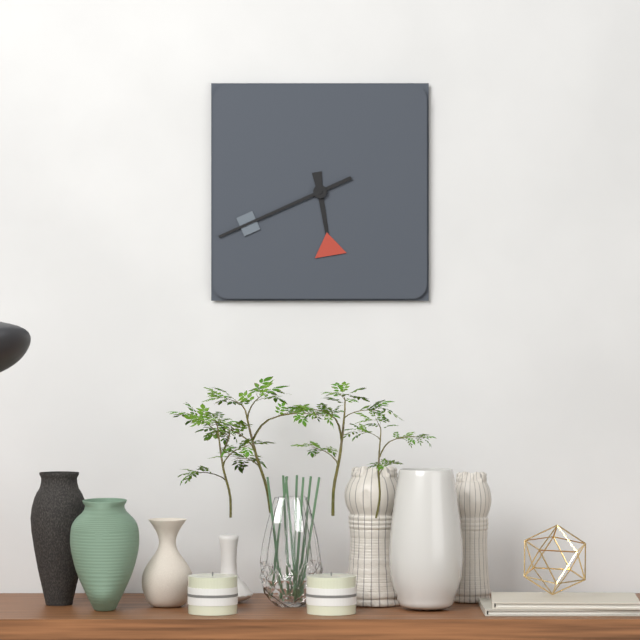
5.41
